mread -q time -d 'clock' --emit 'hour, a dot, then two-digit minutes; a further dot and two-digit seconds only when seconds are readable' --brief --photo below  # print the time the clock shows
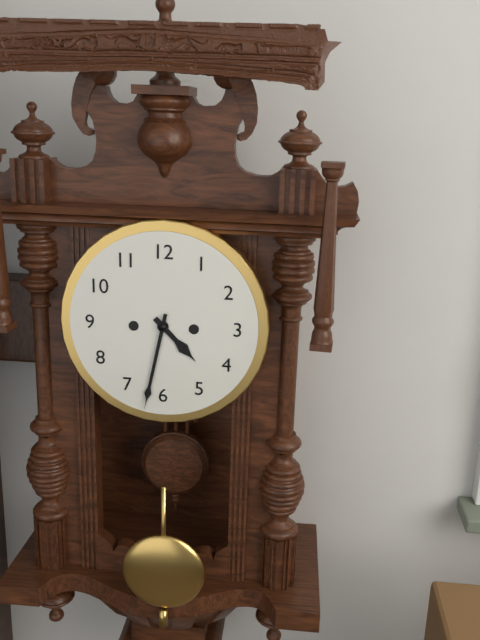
4.32
